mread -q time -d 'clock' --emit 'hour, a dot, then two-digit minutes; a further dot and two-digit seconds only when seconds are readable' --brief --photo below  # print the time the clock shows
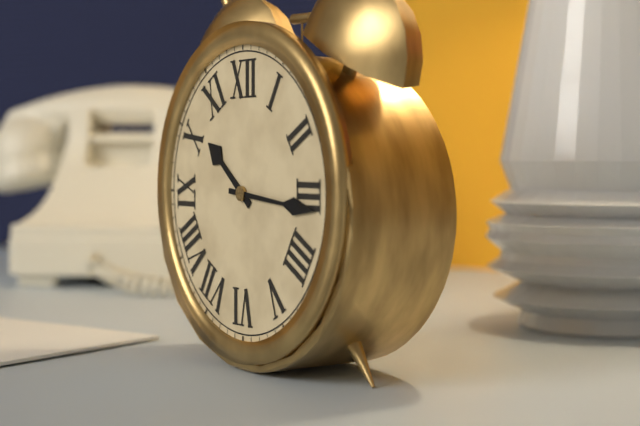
10.16
